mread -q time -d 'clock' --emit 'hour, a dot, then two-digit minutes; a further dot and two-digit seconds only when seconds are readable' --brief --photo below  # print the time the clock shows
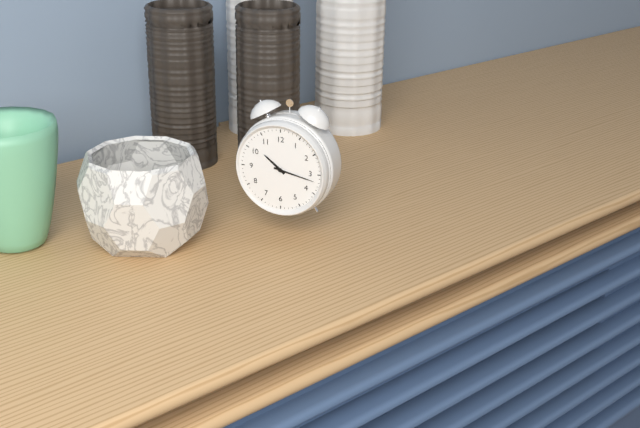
10.17
